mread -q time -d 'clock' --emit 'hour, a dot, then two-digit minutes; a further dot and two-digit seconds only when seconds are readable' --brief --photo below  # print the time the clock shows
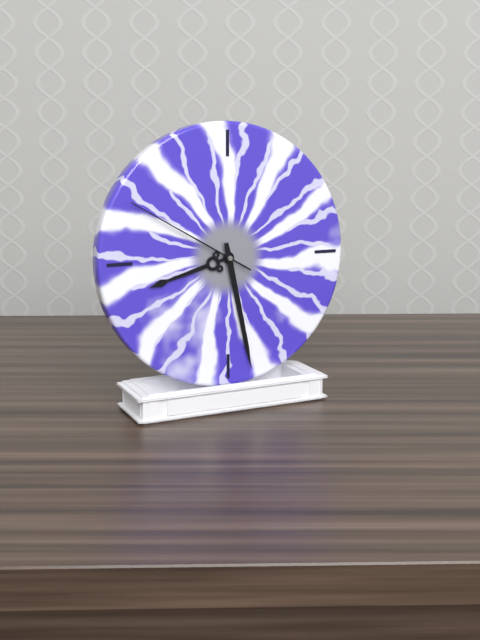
8.28.50
